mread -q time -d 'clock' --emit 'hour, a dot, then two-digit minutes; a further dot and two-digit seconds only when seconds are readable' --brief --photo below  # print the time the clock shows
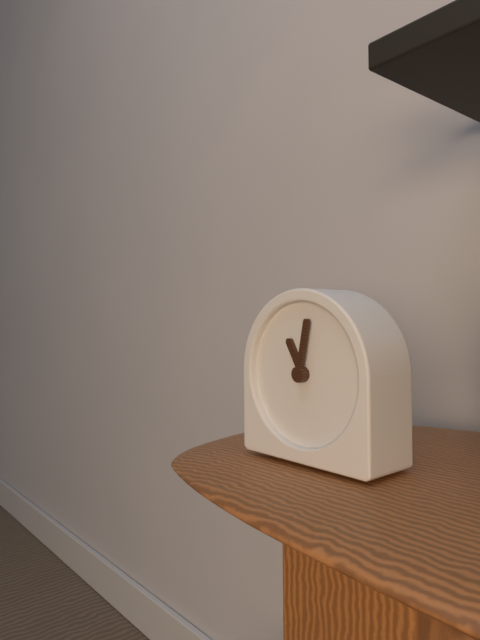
11.02
